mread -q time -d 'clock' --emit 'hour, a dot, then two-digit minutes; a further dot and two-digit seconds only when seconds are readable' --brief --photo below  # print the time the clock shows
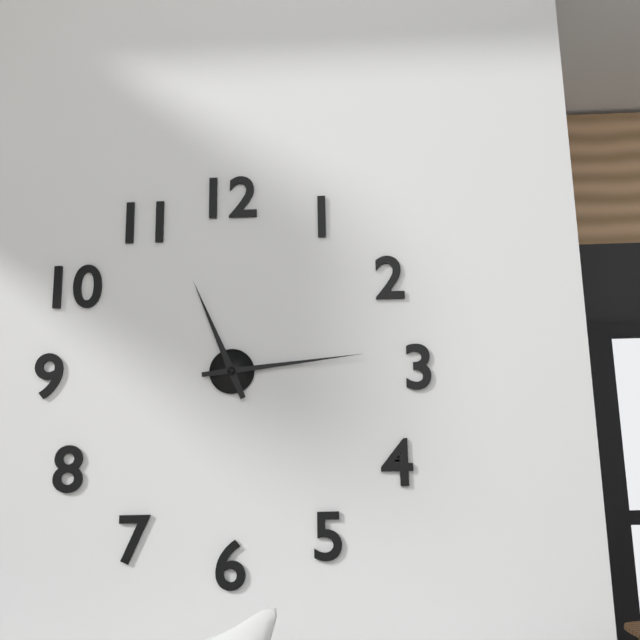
11.14
